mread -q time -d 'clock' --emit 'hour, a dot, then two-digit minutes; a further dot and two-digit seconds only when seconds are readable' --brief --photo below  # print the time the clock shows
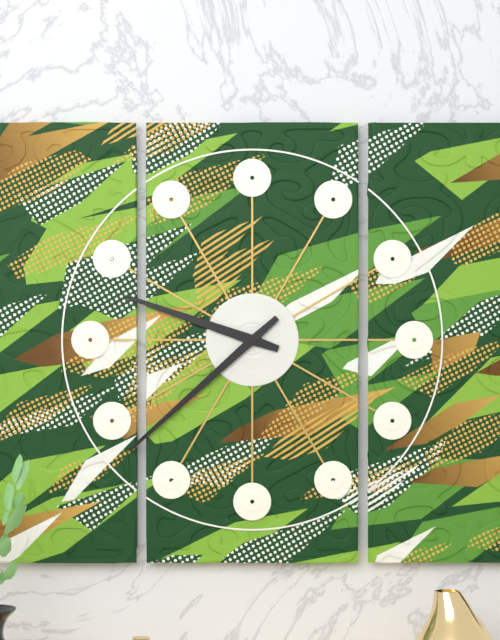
9.38
